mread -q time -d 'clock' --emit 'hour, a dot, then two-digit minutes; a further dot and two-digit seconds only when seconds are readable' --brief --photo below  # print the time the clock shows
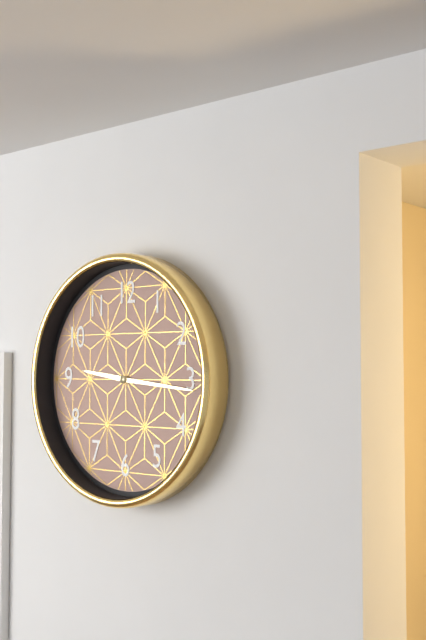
9.16
